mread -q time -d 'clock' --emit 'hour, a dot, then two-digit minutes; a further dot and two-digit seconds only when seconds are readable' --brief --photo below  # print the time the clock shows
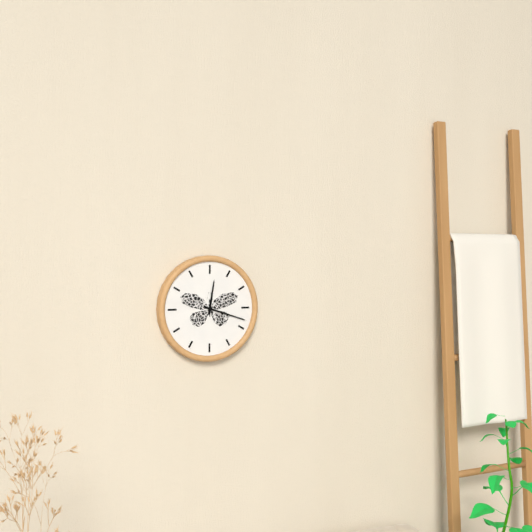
12.18
